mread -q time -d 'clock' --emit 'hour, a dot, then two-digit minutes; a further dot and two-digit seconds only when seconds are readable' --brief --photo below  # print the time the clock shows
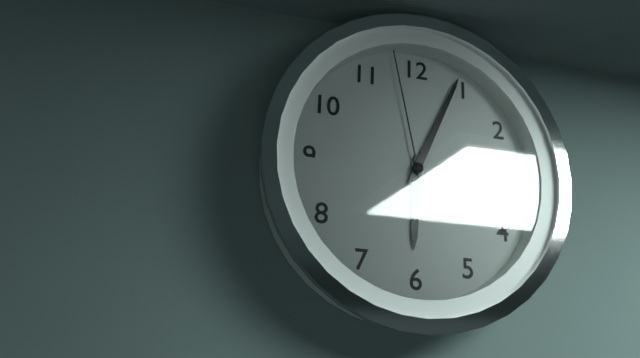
6.04.58
